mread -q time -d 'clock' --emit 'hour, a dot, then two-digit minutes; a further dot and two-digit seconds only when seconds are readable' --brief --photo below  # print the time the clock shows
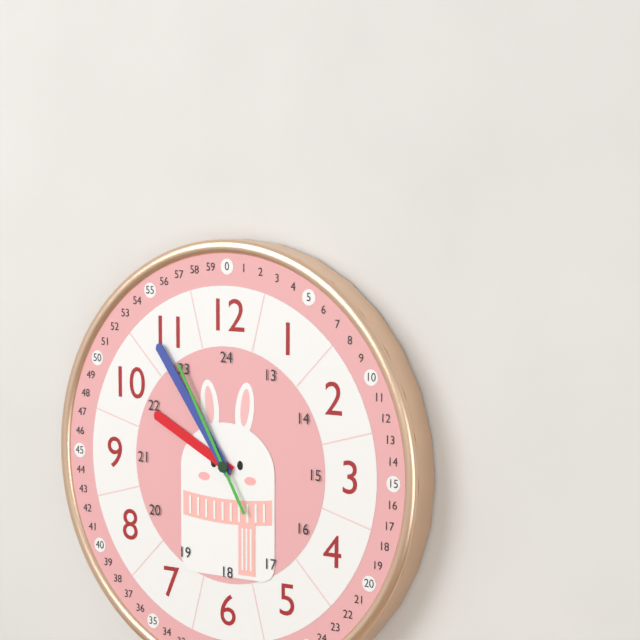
9.54.55
